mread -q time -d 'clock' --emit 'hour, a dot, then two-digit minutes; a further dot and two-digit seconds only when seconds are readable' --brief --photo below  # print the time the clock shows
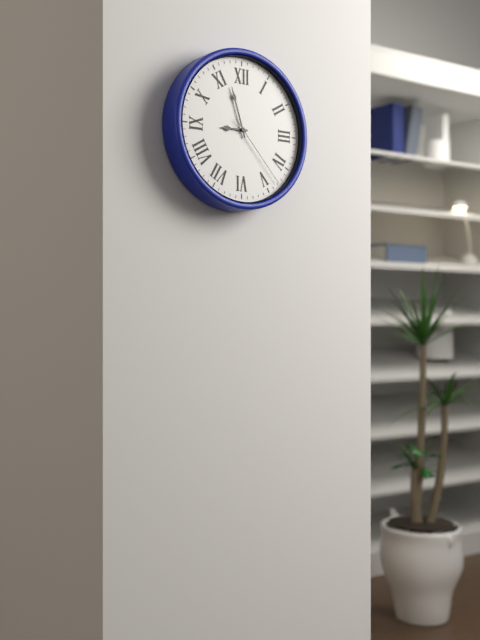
8.57.23
